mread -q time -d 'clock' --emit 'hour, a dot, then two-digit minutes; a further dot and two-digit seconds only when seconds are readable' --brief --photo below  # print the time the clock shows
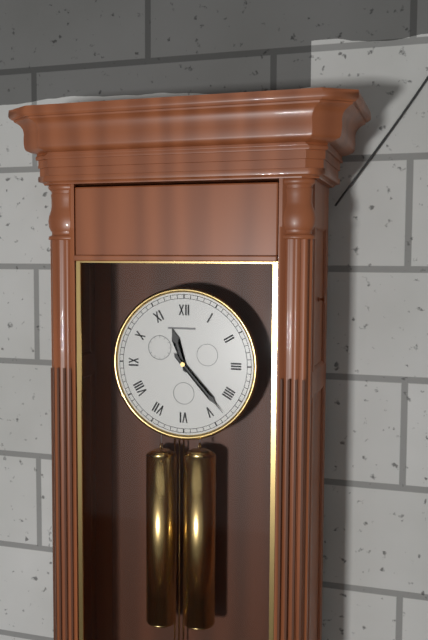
11.23
